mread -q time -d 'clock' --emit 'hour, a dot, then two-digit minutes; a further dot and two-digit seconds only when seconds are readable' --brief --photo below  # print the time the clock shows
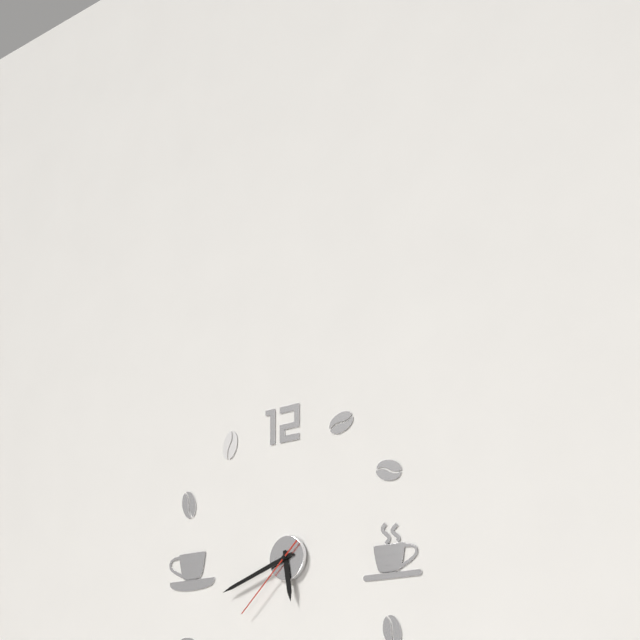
5.42.38
